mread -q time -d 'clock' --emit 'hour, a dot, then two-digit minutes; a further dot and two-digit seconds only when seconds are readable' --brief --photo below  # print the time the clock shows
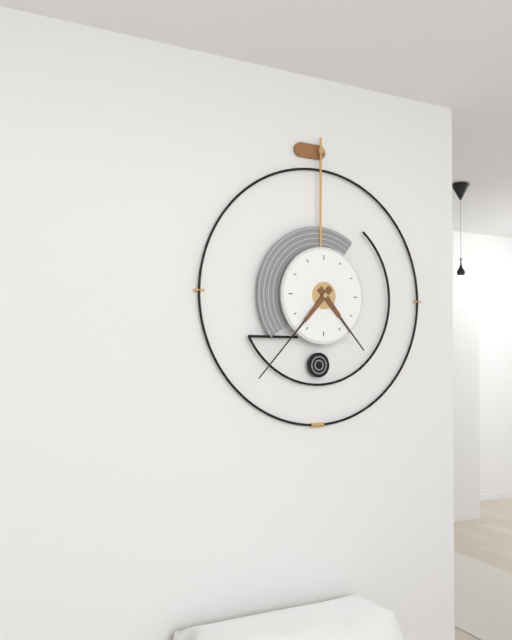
4.37
